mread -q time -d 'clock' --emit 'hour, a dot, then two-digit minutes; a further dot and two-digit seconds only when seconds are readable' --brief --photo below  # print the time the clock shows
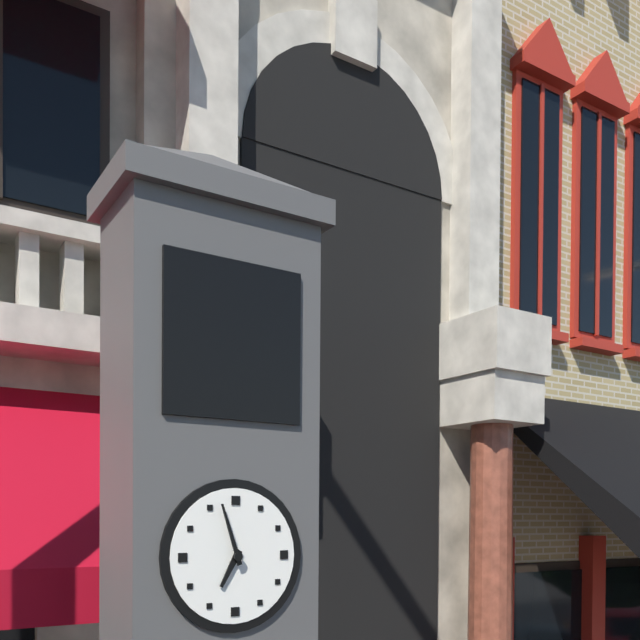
6.57
